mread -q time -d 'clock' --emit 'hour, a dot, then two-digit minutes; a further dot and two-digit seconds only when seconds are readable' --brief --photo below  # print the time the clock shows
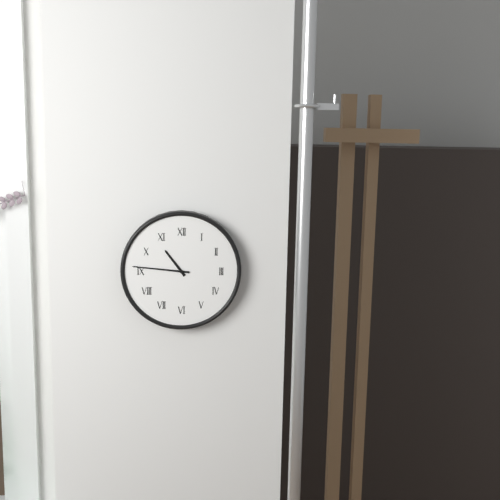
10.46
